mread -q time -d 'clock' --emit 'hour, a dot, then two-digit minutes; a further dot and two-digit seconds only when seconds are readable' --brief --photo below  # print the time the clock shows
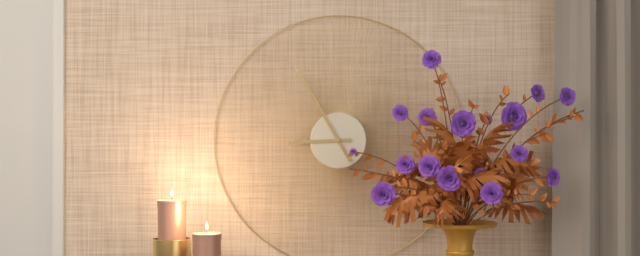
8.55
